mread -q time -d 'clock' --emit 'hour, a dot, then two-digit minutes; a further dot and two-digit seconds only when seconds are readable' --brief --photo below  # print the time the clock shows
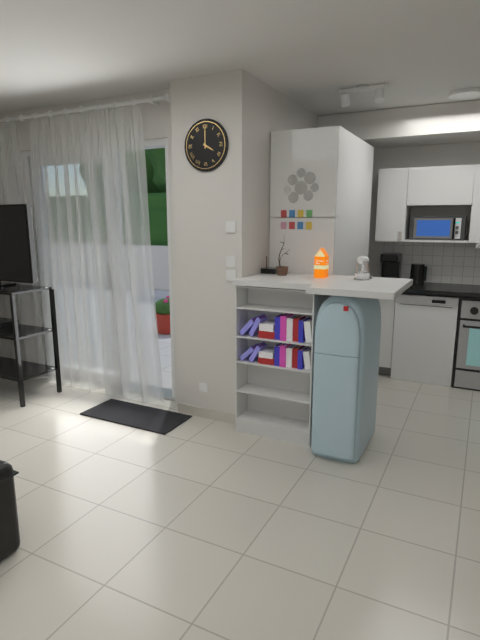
4.00
